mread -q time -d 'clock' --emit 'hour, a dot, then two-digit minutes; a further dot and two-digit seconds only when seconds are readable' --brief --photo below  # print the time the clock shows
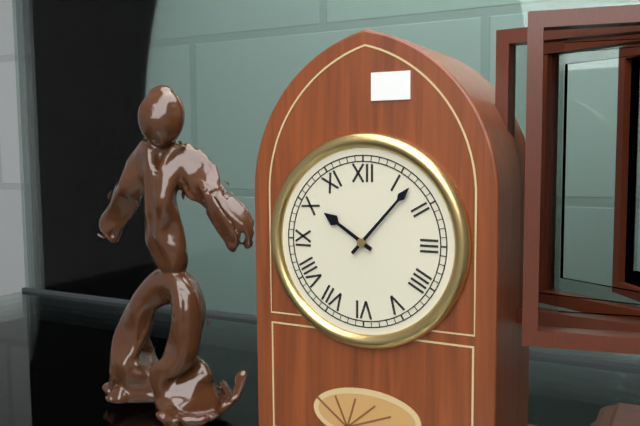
10.07
